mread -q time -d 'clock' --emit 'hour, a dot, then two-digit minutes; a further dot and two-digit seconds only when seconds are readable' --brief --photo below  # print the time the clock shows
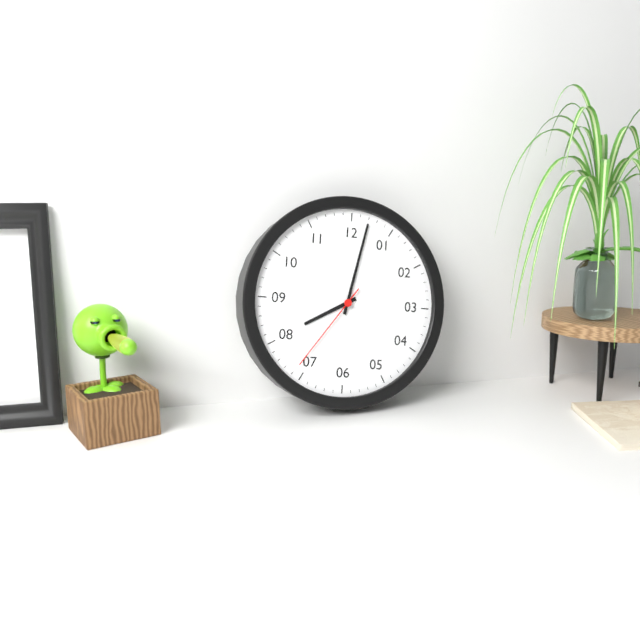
8.02.36
